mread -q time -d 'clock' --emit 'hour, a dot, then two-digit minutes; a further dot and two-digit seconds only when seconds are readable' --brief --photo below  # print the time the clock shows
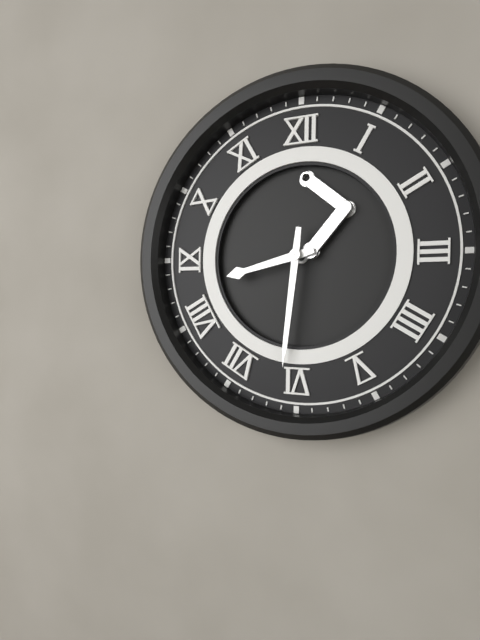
8.31
